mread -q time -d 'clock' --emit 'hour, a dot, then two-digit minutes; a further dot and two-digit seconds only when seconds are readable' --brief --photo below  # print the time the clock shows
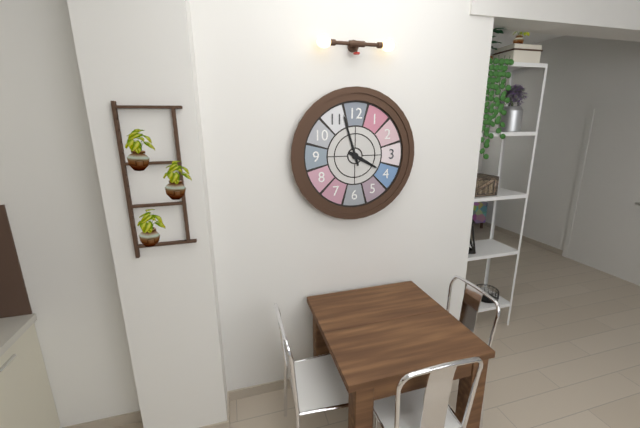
3.57
